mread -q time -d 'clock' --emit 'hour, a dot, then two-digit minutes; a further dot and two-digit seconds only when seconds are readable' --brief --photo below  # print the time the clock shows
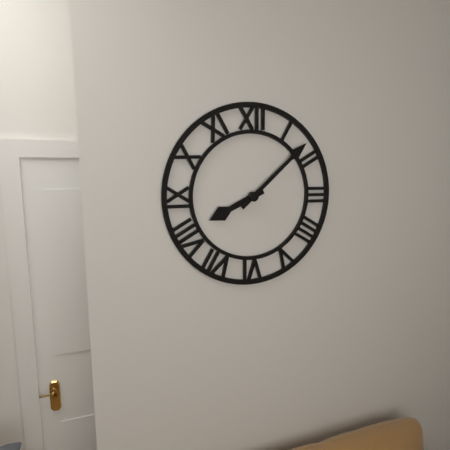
8.08
